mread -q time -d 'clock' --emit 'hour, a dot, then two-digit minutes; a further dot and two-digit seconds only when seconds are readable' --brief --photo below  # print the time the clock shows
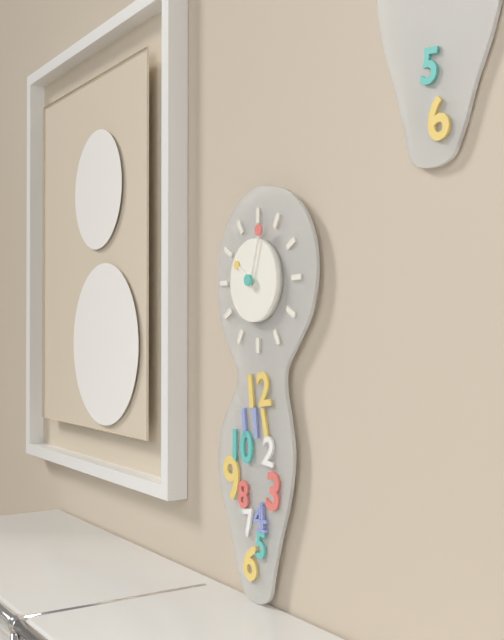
10.03
